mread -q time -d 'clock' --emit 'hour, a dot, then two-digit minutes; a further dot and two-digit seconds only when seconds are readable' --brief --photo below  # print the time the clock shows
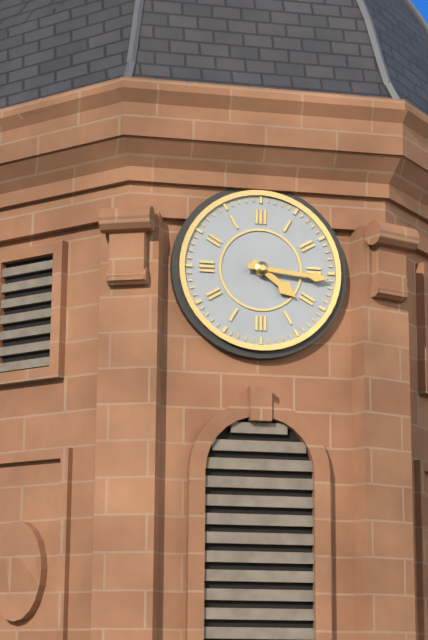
4.16
